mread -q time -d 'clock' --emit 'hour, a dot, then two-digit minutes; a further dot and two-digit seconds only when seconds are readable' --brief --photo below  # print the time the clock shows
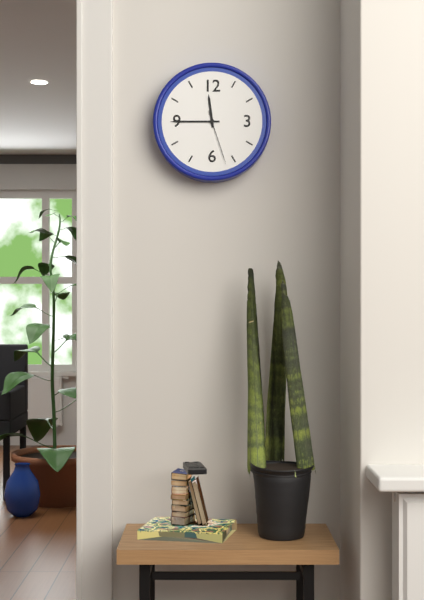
11.45.27
